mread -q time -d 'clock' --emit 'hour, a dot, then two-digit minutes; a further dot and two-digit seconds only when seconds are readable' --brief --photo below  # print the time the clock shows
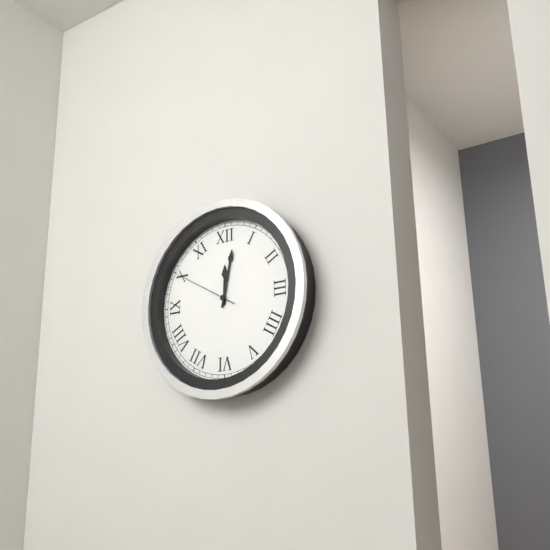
12.02.50
